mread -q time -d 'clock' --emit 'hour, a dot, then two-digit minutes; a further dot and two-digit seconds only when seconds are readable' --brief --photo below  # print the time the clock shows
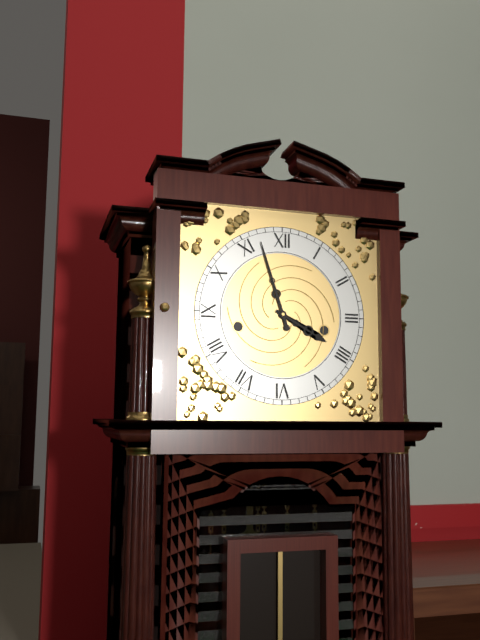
3.57
